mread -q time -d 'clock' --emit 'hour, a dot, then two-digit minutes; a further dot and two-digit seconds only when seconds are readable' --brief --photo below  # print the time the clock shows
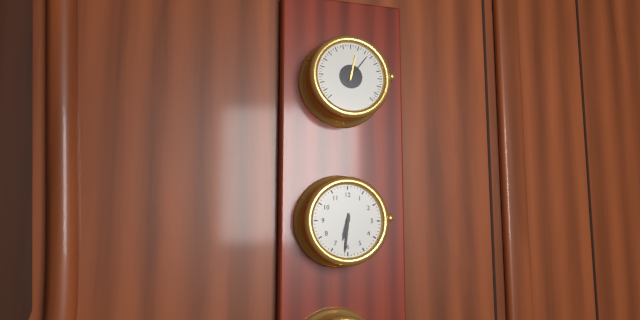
6.31
